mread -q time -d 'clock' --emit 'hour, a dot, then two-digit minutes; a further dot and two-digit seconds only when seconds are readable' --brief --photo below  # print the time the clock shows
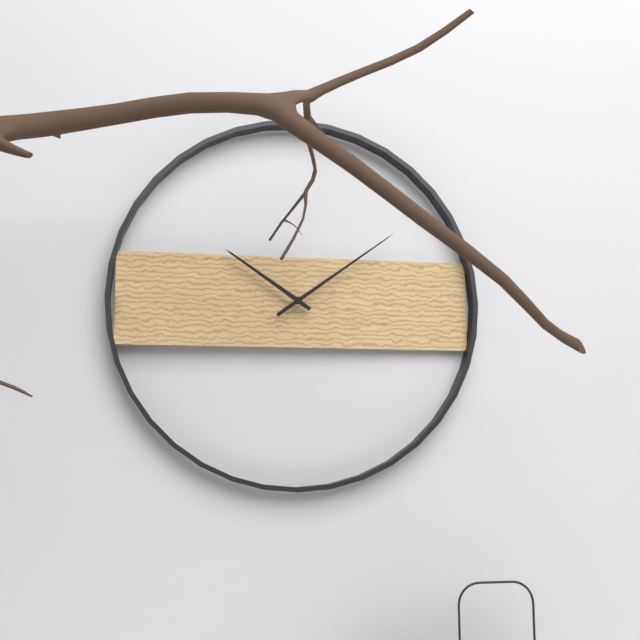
10.09
